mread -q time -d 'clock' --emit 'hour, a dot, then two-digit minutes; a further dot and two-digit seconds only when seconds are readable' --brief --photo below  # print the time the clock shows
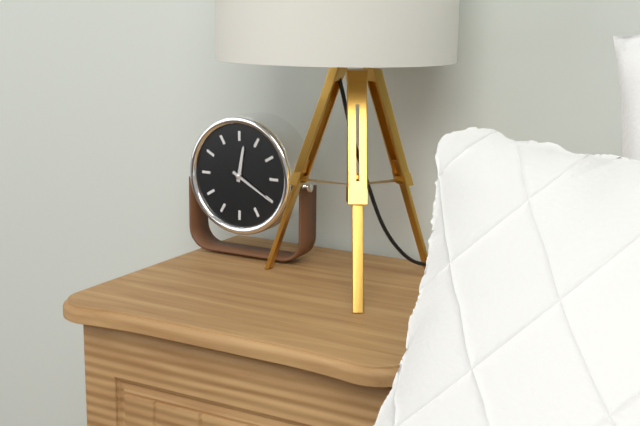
12.20
